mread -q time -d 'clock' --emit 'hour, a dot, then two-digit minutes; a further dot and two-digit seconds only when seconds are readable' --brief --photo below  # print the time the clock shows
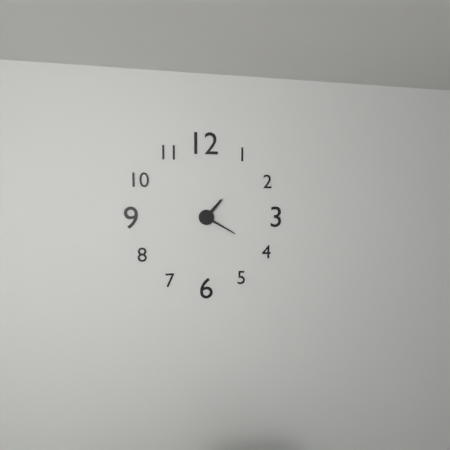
1.20
